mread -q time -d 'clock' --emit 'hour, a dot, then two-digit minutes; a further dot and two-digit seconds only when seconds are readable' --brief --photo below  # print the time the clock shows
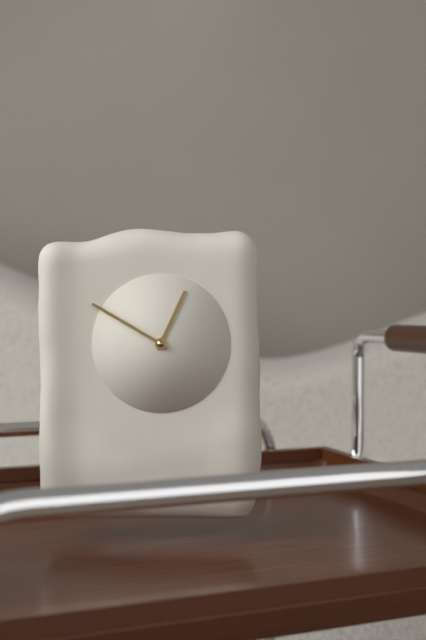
12.50
